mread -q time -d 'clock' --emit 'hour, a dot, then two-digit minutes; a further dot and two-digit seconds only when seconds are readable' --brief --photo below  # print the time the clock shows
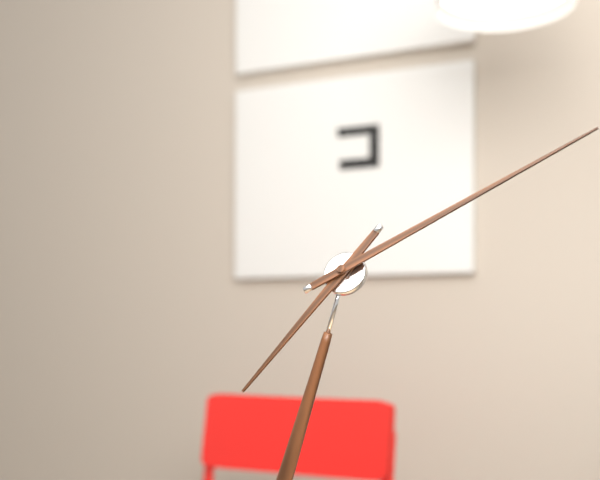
7.10
